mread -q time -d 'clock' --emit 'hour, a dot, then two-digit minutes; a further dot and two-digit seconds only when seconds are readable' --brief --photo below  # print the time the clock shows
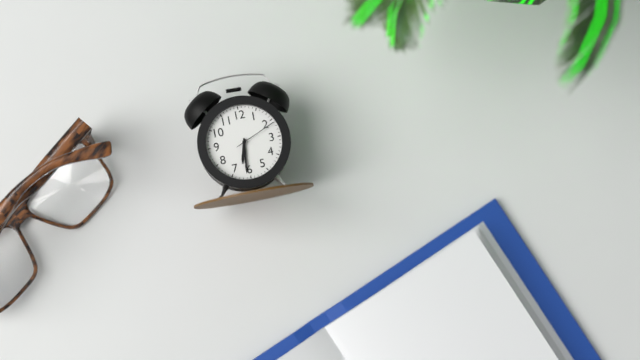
6.31
